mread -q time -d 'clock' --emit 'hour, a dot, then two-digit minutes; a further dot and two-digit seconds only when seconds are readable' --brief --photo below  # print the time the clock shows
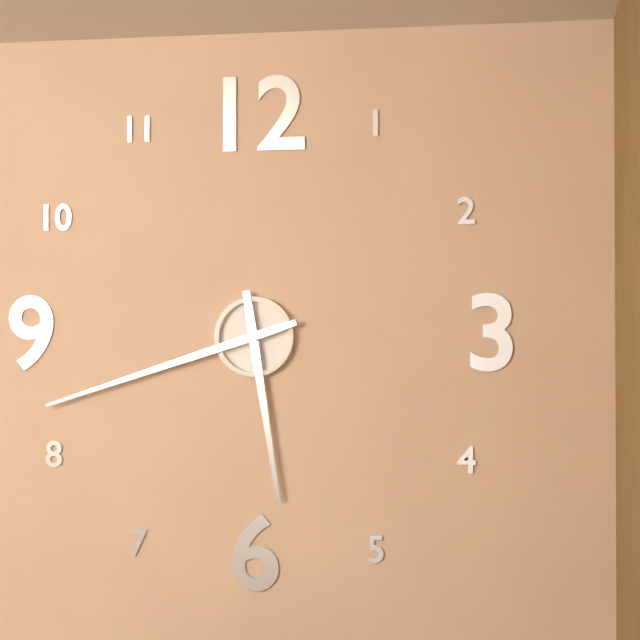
5.42
